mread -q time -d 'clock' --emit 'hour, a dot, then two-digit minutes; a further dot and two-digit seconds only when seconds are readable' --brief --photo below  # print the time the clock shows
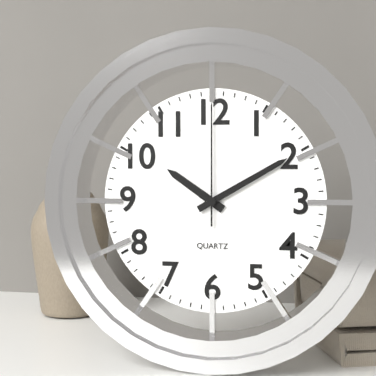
10.10.00
